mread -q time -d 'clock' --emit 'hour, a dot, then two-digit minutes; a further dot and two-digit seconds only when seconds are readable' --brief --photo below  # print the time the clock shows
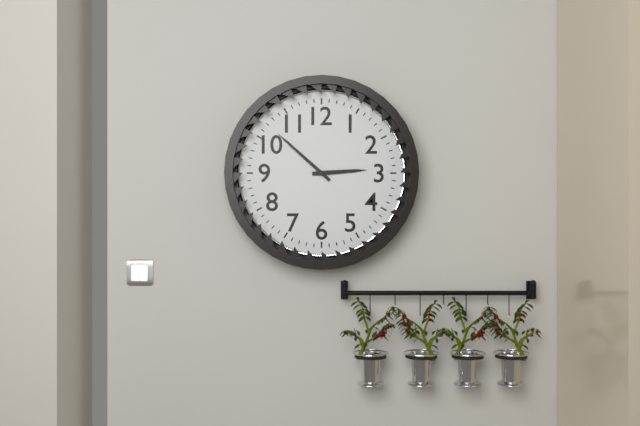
2.52
